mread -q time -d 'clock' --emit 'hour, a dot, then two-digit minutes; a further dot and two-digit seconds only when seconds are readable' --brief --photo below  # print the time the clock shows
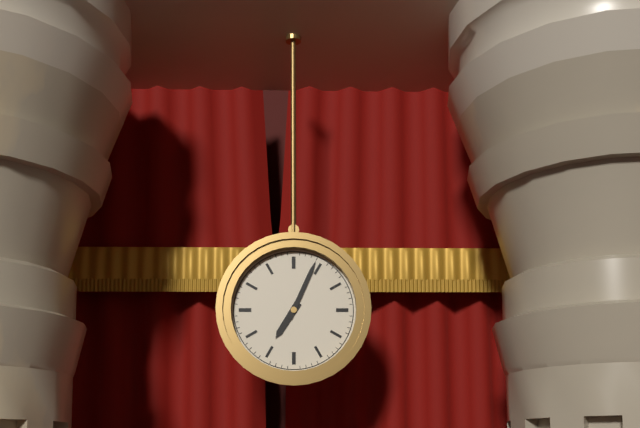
7.04
